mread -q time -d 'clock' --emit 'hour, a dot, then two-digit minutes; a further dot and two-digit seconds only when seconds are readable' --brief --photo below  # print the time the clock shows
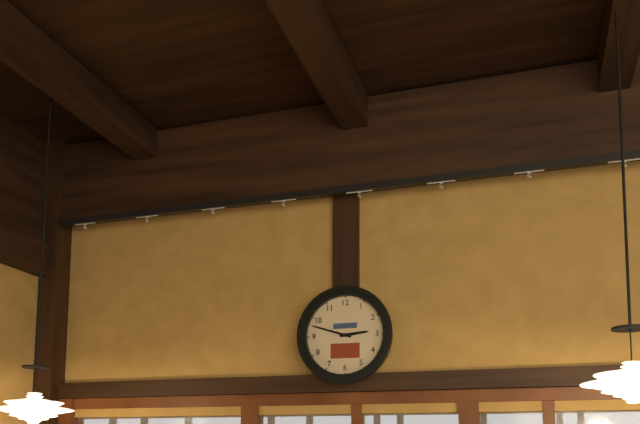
2.48
